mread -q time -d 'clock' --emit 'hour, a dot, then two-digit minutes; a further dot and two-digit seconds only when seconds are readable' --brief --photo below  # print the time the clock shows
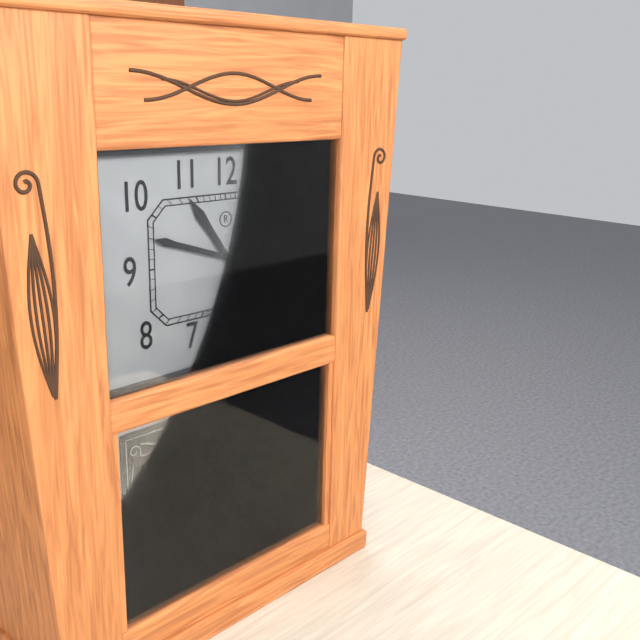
10.48
